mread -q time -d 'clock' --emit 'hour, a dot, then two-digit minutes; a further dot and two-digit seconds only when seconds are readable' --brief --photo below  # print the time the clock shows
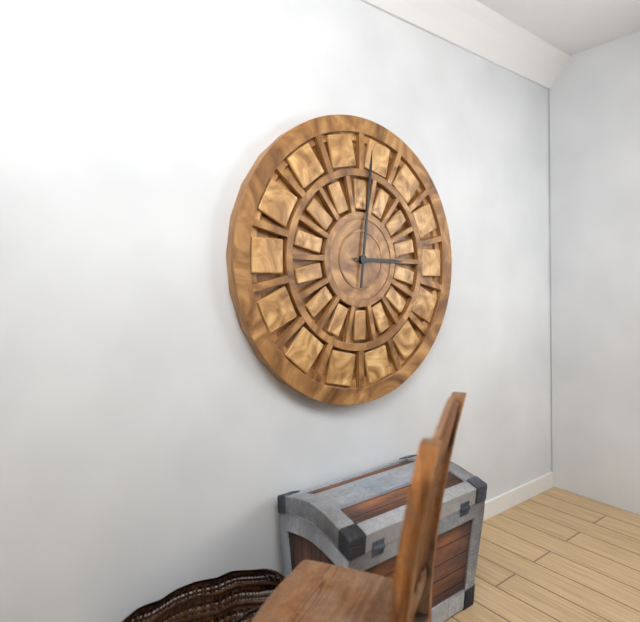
3.01
